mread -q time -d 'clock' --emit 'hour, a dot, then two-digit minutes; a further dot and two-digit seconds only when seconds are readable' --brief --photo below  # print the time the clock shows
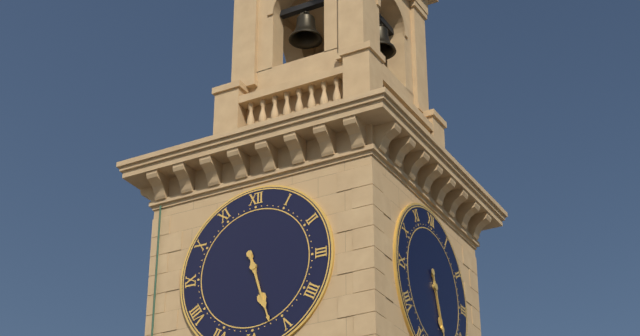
5.27
